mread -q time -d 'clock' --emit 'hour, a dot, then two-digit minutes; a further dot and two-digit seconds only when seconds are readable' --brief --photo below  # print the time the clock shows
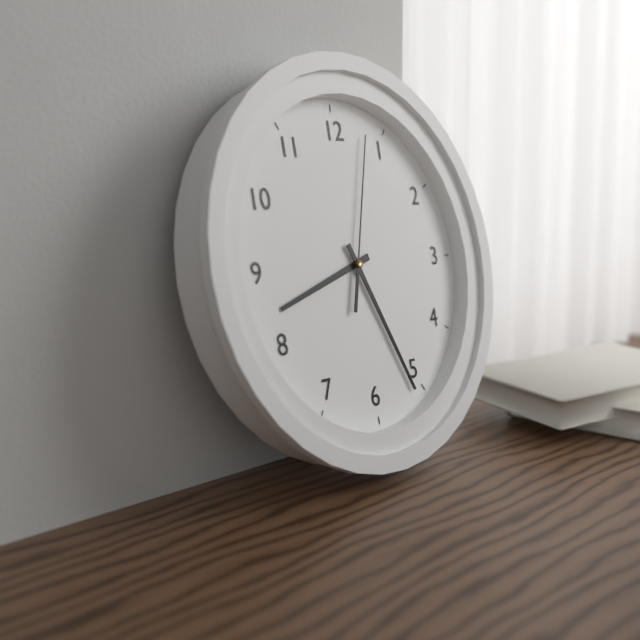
8.26.03
